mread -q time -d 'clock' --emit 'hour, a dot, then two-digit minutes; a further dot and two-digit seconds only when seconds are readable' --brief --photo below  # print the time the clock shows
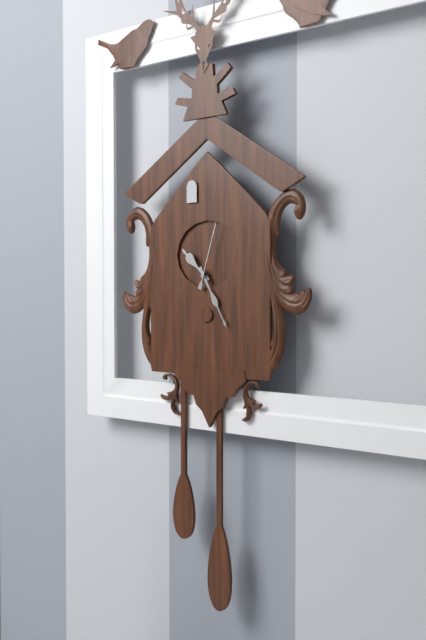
10.25.03
